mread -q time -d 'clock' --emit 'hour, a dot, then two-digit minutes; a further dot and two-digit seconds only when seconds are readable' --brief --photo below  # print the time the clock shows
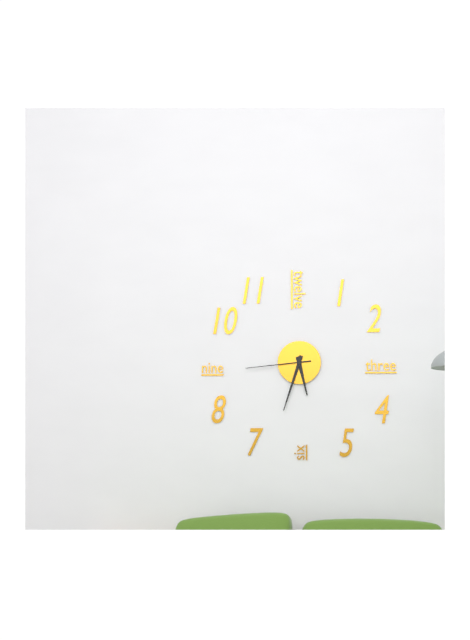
5.33.44
